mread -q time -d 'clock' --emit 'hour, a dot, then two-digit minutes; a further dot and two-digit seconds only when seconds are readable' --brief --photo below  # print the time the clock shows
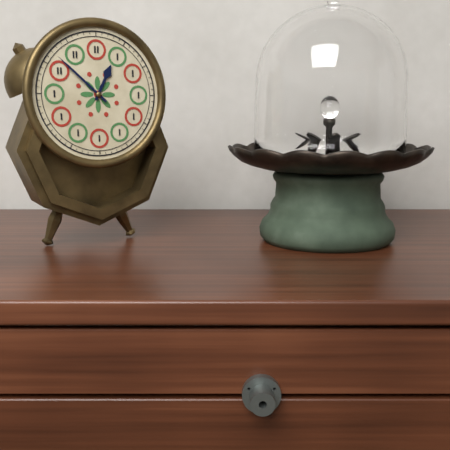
12.52
